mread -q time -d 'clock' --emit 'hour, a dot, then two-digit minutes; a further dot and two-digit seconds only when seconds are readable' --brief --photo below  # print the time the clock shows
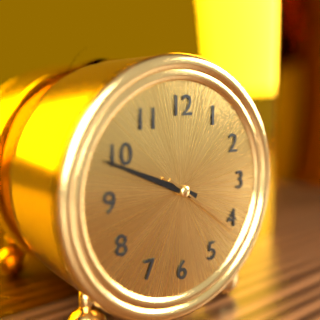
9.49.21
